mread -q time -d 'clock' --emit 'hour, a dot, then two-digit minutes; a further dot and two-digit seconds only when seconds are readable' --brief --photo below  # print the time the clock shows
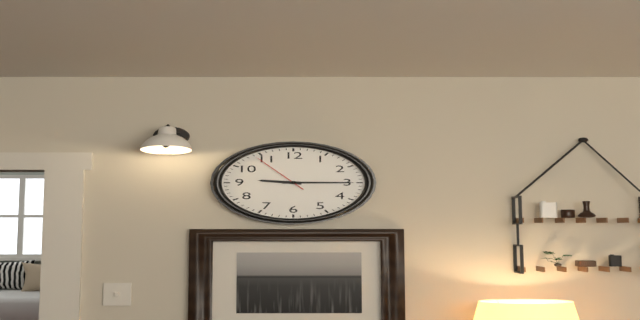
9.15.54
